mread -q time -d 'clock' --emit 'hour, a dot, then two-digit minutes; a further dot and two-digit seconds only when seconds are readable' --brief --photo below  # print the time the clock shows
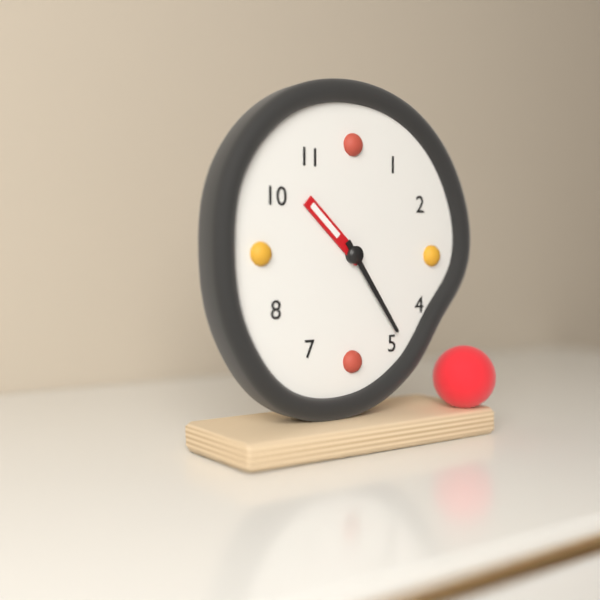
10.24
